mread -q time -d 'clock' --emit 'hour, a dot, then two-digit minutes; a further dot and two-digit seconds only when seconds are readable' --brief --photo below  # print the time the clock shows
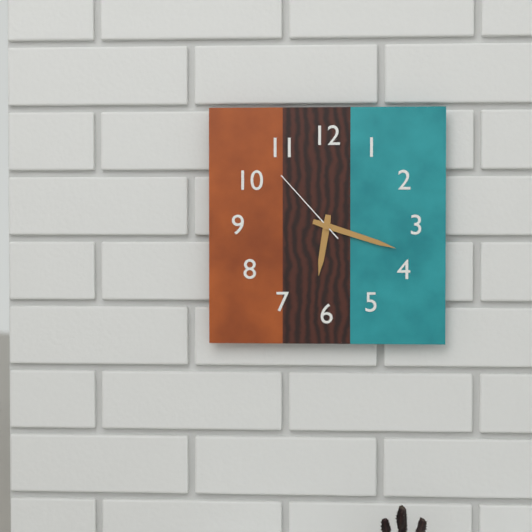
6.18.53
